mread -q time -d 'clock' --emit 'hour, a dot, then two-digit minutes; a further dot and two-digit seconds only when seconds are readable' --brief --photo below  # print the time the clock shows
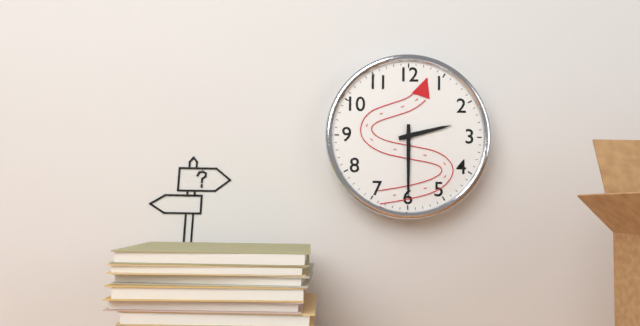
2.30
